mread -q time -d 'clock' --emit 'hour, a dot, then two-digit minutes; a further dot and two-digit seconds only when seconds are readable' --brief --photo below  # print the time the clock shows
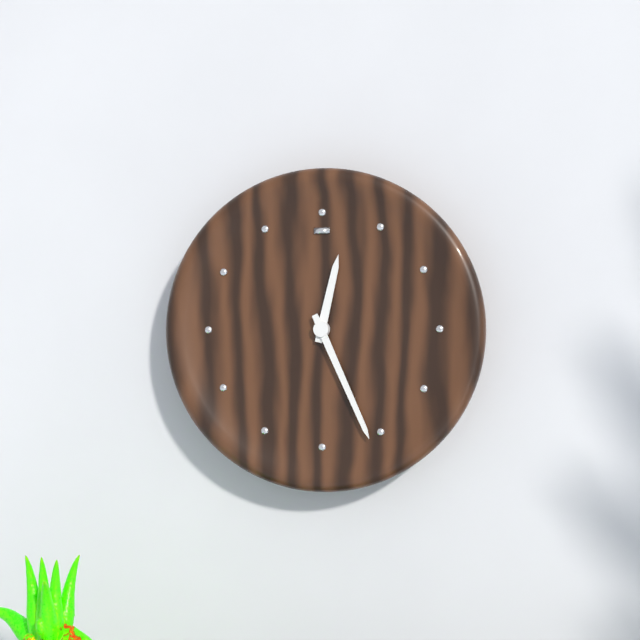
12.26
